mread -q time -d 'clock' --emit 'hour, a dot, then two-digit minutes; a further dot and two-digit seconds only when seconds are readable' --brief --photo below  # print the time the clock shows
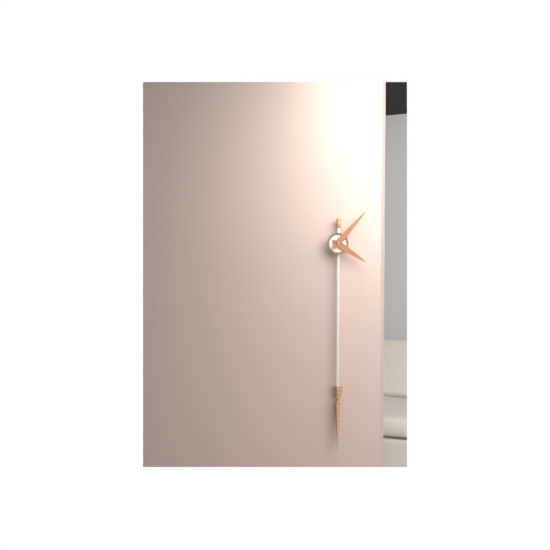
4.07
